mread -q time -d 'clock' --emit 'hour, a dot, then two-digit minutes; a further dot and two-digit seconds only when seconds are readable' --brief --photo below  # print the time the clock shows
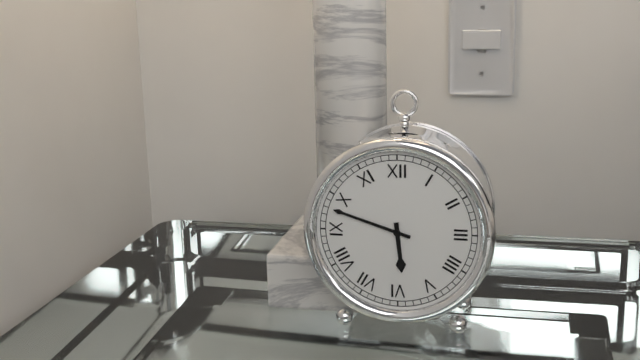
5.48
